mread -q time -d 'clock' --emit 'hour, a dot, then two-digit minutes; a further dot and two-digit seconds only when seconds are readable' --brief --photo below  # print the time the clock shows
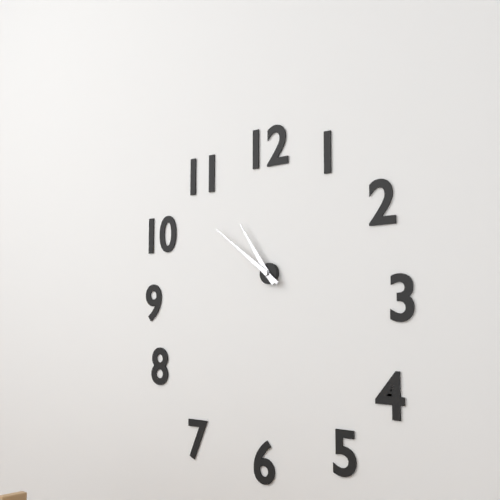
10.51
